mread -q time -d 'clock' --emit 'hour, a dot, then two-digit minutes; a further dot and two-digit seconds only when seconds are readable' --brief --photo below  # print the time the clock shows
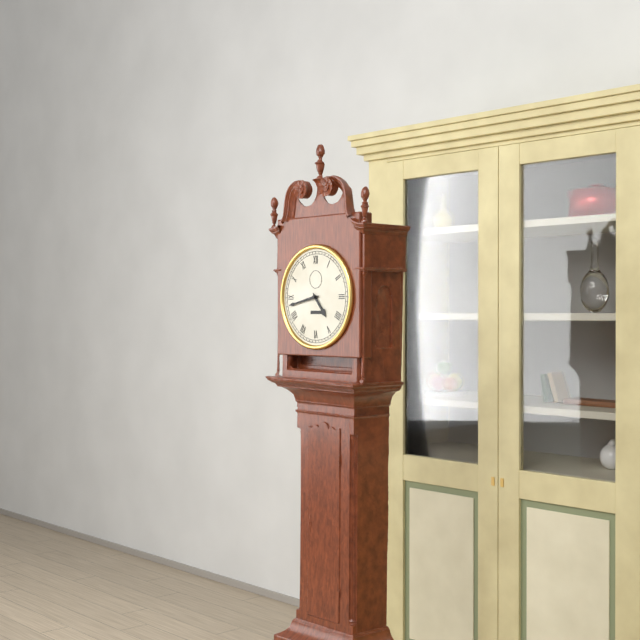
4.43
